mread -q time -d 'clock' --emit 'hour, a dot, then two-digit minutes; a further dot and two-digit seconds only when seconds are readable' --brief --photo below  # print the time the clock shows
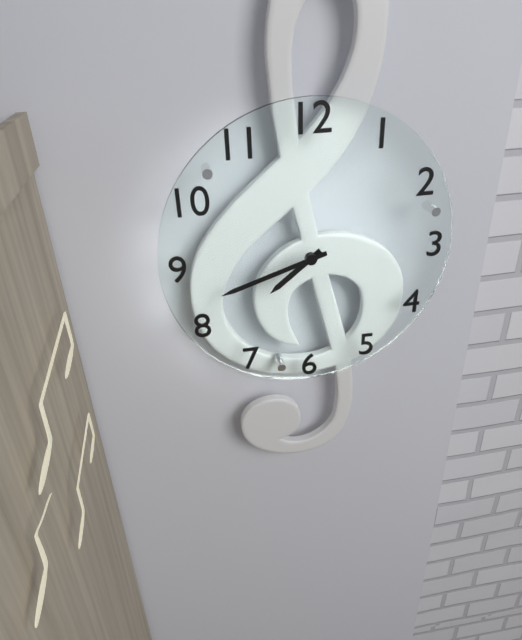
7.42
